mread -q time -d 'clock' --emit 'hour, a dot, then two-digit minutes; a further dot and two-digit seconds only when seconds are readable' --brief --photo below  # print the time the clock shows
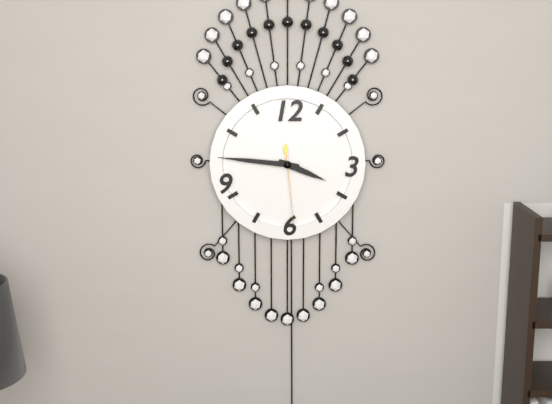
3.46.29
